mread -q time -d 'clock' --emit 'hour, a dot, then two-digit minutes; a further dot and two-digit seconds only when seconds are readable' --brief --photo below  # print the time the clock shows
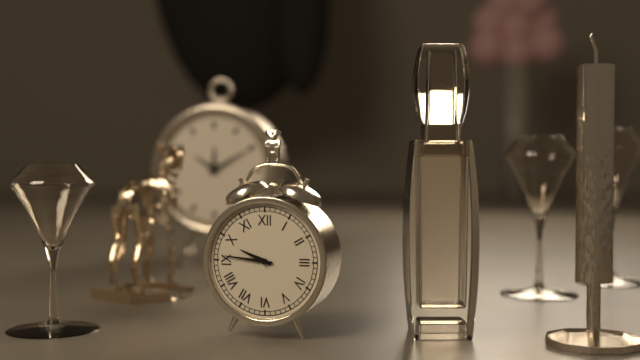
9.46
